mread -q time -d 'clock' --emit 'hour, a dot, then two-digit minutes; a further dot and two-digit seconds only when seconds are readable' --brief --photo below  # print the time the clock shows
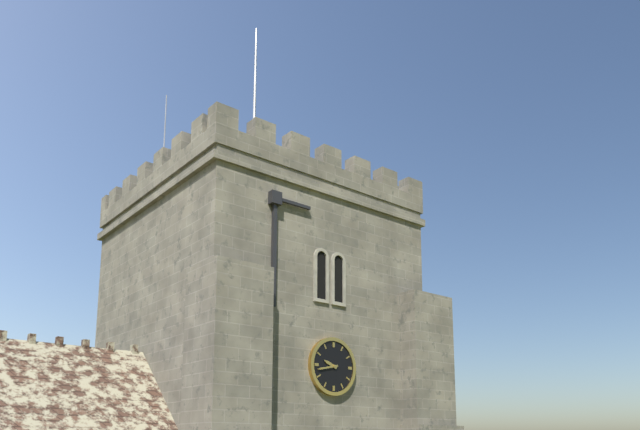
9.43
